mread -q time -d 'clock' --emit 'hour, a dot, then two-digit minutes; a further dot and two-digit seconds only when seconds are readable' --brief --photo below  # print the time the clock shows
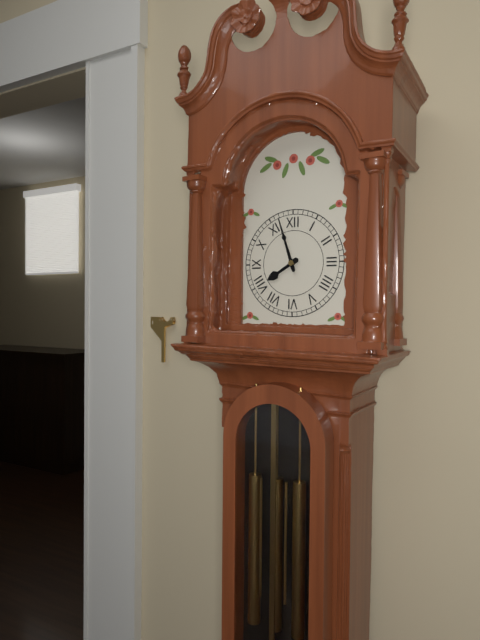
7.57
